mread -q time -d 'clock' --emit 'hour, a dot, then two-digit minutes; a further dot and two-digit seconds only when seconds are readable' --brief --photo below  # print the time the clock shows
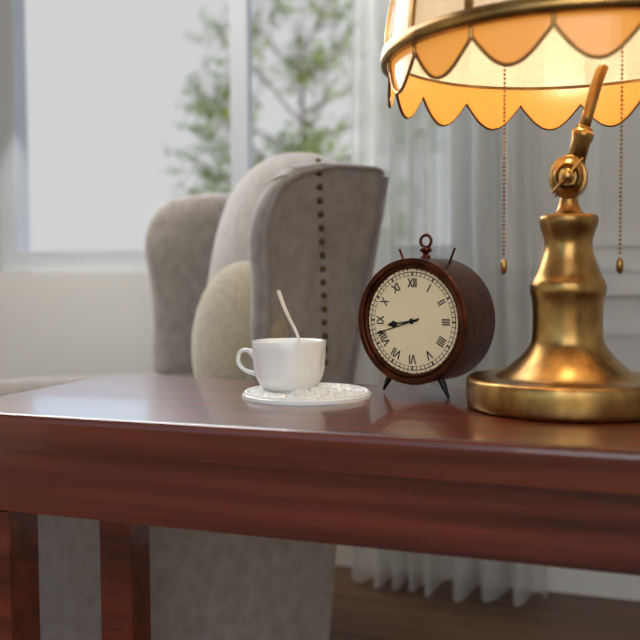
8.42
